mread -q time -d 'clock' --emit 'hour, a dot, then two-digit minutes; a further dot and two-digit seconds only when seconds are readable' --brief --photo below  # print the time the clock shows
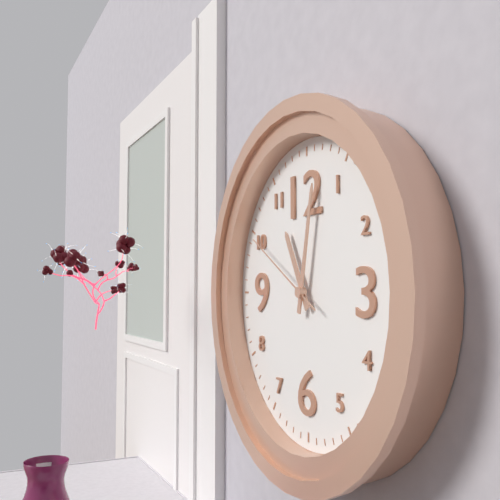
11.02.50
